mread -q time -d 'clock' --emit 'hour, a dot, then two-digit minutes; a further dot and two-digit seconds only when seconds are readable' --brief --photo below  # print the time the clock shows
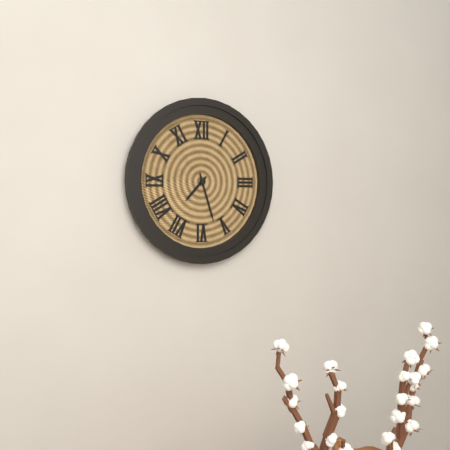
7.27
